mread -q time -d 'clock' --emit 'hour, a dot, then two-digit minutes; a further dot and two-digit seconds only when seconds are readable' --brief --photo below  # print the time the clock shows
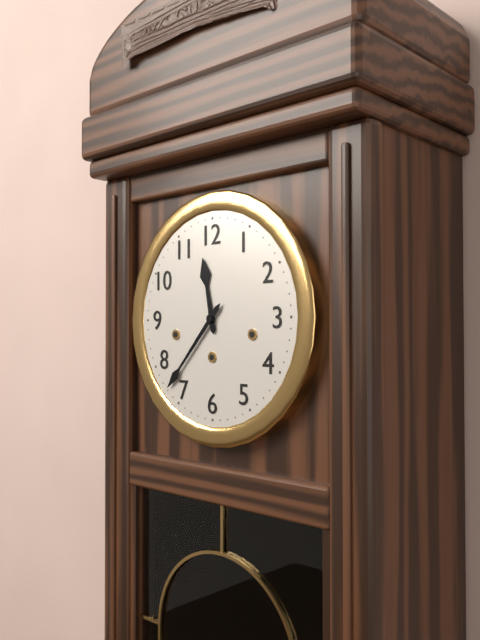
11.37
